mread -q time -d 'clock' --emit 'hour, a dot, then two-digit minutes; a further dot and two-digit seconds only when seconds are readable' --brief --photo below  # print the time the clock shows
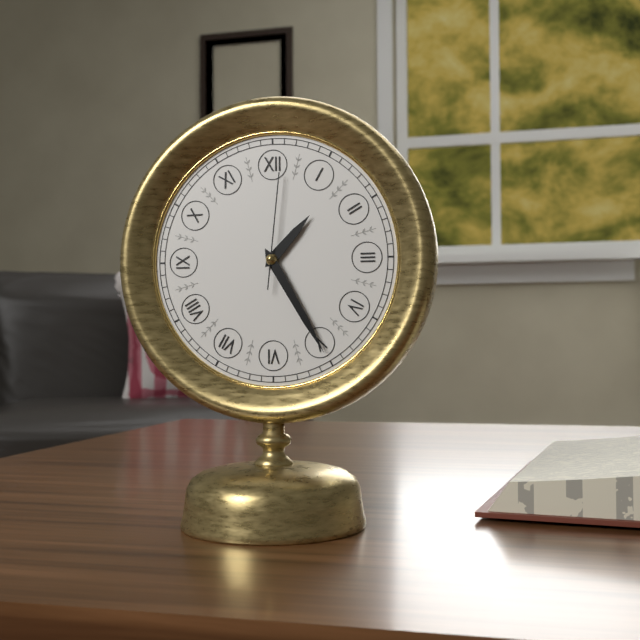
1.25.01
